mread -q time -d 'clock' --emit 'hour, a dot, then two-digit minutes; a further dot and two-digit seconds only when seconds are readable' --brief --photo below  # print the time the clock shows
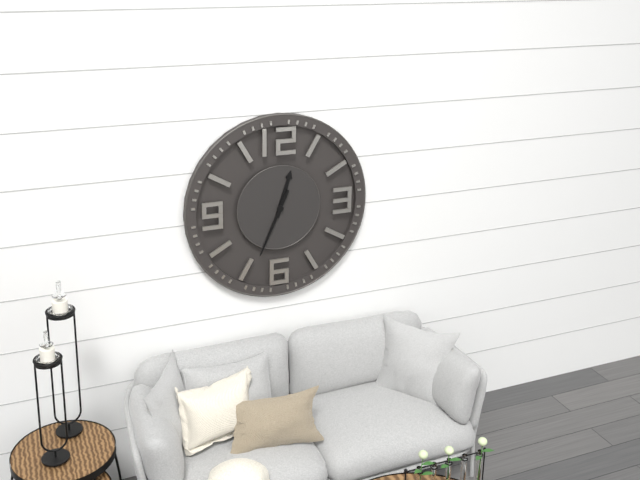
12.34
